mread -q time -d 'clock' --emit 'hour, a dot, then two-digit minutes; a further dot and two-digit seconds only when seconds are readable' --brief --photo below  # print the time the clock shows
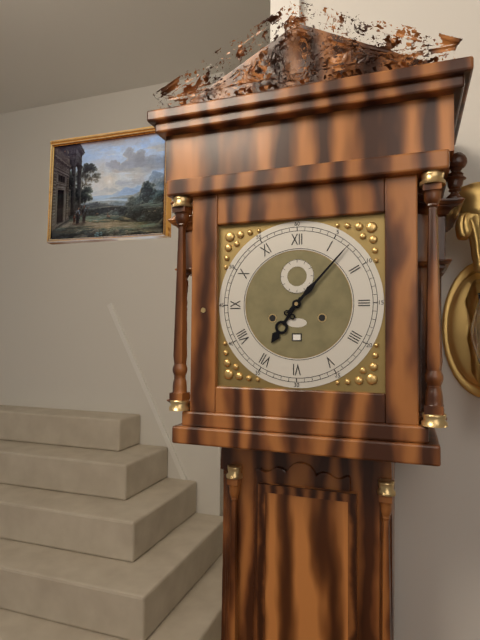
7.07
